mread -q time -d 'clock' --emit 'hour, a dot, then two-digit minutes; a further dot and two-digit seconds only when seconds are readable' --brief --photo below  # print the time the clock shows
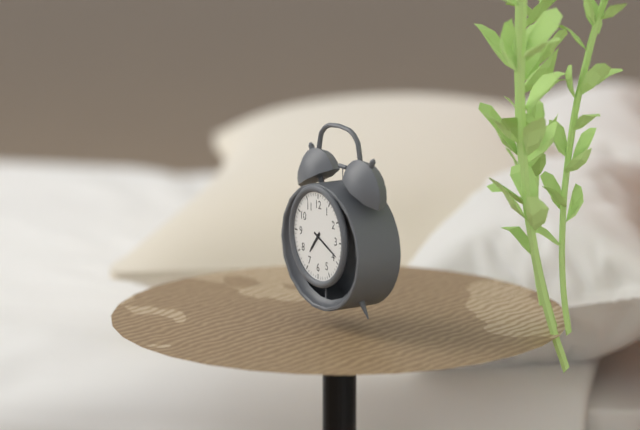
7.19
